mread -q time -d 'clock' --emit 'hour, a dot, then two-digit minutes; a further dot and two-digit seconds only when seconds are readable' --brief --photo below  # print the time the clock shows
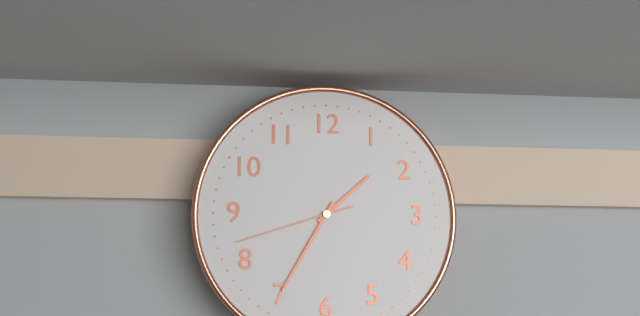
1.35.42
